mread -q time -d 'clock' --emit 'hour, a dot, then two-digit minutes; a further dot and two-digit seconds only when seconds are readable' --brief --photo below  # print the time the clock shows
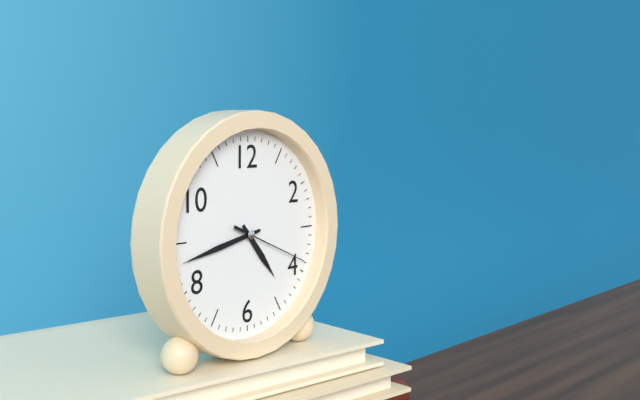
4.43.19
